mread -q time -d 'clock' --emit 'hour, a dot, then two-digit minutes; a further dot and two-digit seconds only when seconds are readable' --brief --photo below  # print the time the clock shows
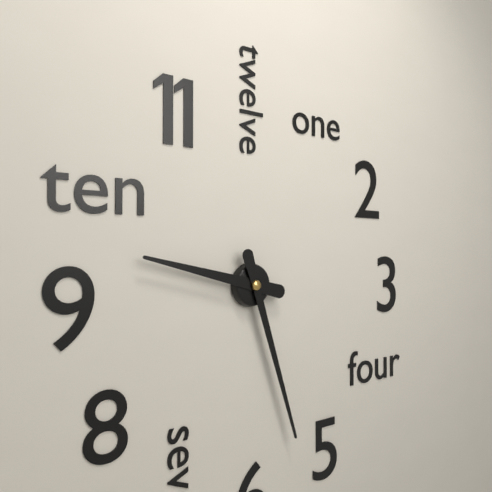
9.27
